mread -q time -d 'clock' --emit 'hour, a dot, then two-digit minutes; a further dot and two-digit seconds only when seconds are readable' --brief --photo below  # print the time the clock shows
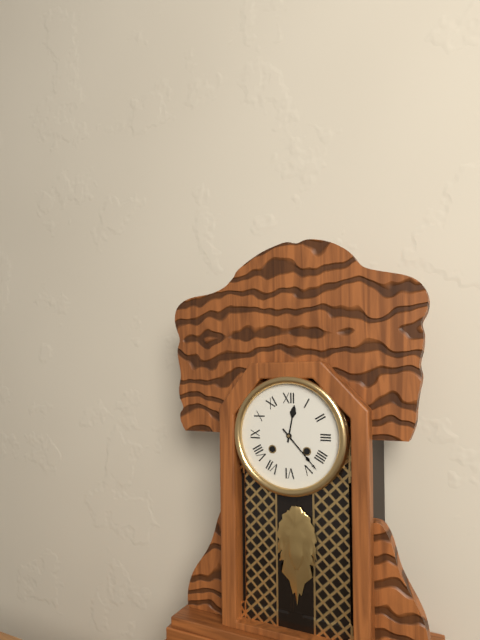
12.23
